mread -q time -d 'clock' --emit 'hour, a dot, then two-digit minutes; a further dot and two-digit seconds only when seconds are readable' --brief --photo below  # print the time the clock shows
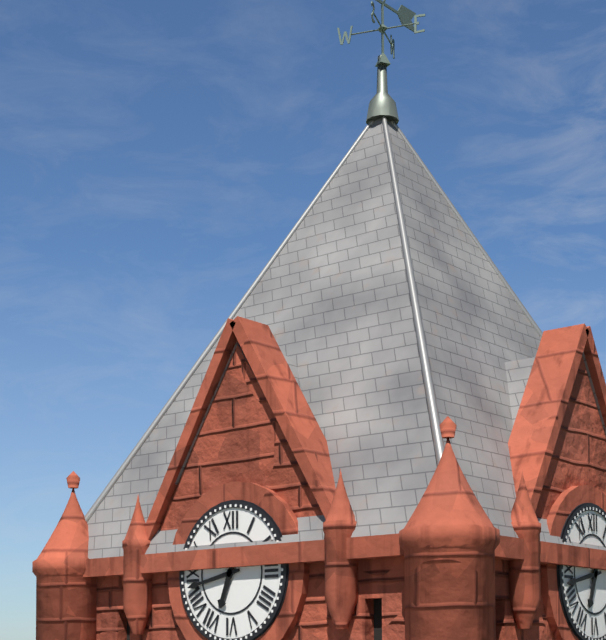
6.43
